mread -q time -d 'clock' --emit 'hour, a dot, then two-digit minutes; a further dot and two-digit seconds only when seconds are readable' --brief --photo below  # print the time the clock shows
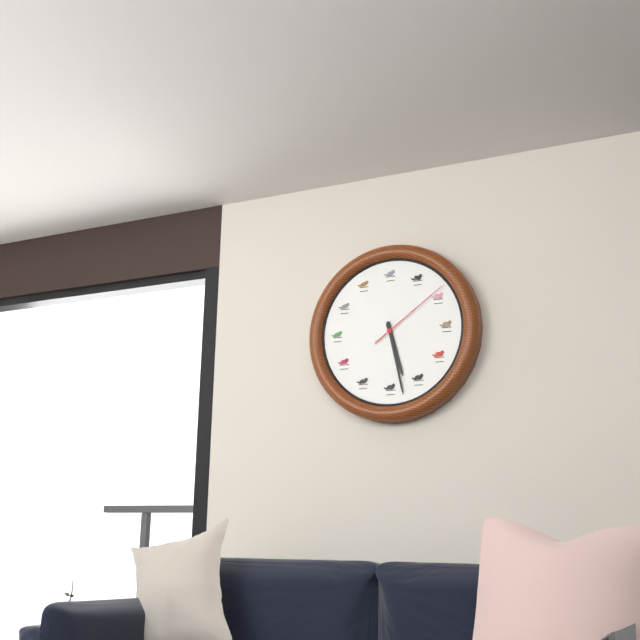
5.28.09
